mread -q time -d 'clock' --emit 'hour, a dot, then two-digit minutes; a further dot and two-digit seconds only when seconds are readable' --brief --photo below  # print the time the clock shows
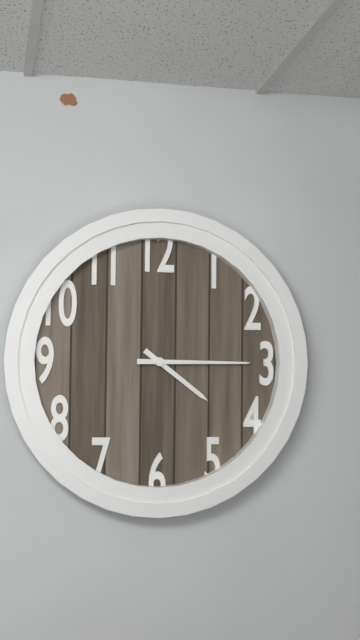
4.15
